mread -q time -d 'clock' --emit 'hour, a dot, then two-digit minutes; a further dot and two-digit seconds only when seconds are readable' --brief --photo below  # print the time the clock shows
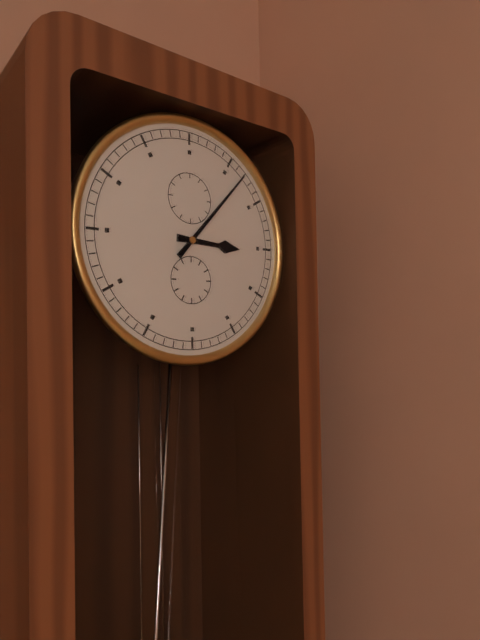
3.07
